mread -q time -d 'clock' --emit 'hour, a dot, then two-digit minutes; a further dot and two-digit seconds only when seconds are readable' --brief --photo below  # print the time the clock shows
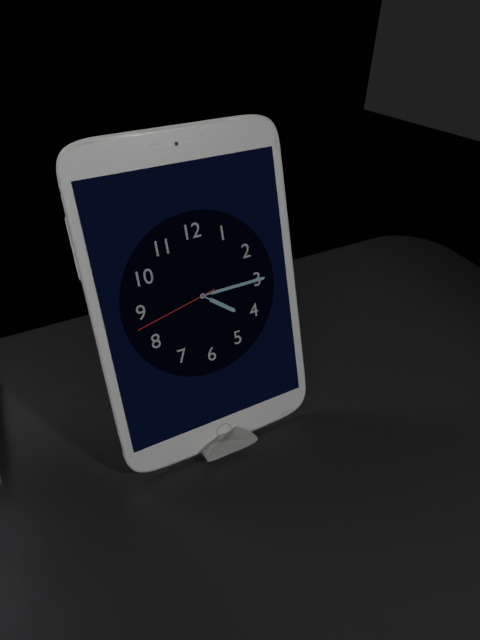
4.15.43
